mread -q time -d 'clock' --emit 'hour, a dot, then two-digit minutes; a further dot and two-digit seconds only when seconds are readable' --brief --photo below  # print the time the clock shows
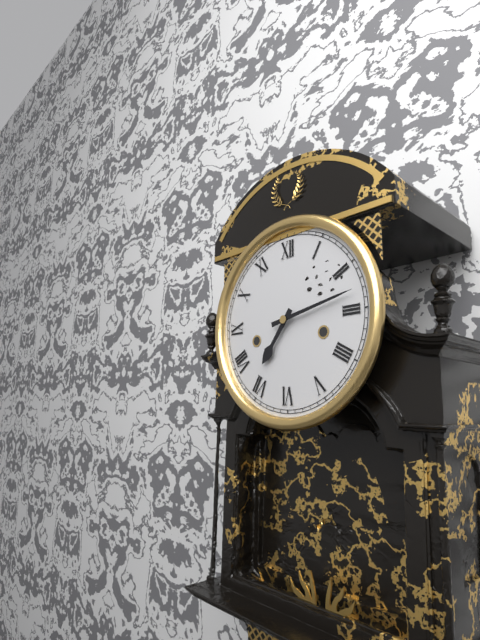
7.13
